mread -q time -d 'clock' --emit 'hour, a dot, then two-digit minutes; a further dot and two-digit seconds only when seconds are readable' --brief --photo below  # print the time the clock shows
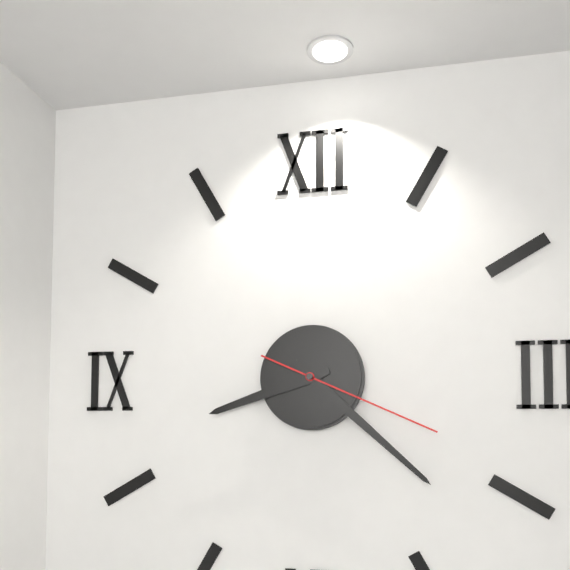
8.22.19
